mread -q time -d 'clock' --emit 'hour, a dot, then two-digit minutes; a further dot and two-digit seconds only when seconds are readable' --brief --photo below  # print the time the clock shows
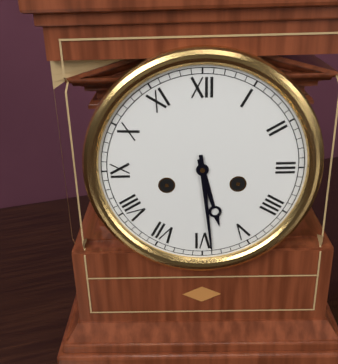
5.29
